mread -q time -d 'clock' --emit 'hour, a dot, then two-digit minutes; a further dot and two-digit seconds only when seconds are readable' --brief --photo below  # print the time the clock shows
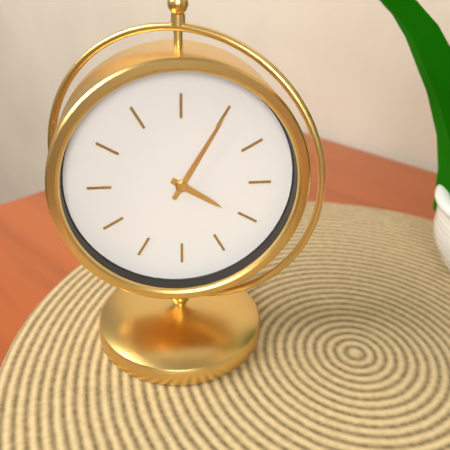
4.05
